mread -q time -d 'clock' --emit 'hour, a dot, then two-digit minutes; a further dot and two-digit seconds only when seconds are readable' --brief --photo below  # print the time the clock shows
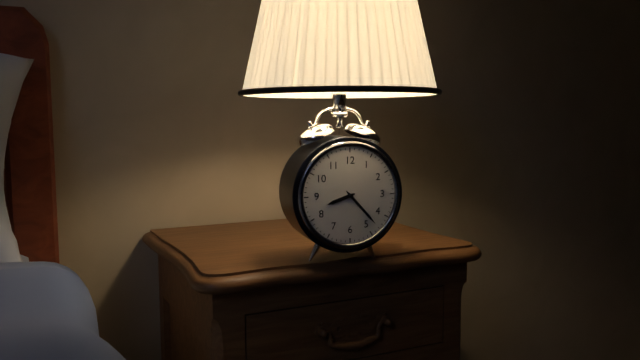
8.23
